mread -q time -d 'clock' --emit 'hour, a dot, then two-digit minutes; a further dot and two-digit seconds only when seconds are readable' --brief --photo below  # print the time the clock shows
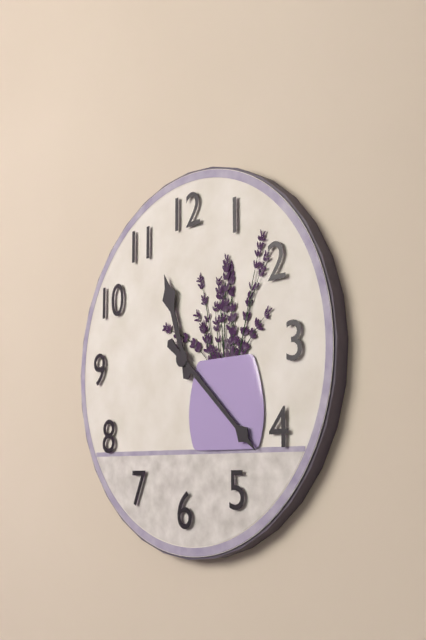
11.22
